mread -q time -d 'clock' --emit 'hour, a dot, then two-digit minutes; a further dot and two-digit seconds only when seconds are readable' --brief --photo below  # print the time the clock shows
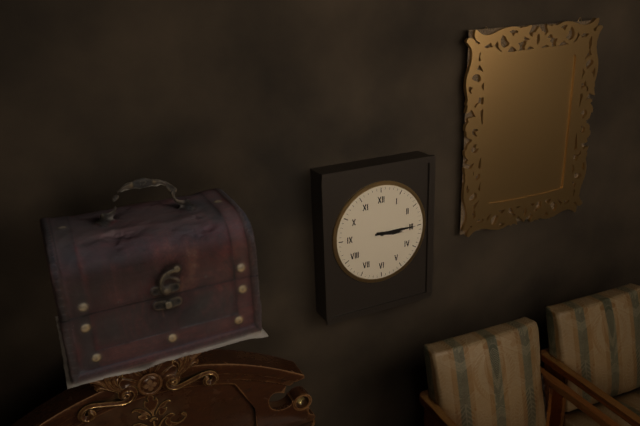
3.15
